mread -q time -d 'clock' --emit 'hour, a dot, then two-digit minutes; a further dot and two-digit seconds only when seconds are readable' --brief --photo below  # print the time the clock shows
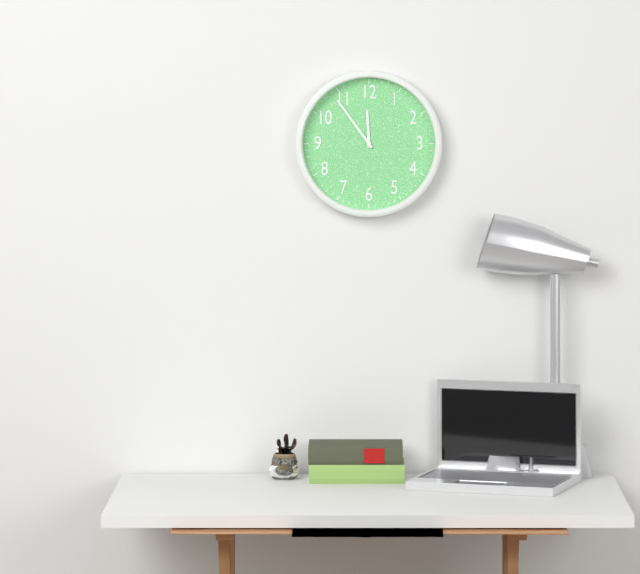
11.54
